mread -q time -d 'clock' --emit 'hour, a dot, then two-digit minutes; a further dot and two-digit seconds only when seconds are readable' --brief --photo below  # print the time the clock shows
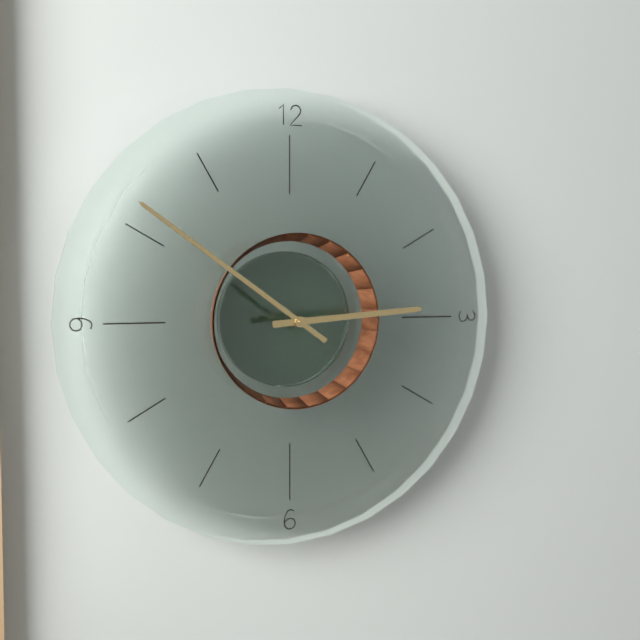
2.51
